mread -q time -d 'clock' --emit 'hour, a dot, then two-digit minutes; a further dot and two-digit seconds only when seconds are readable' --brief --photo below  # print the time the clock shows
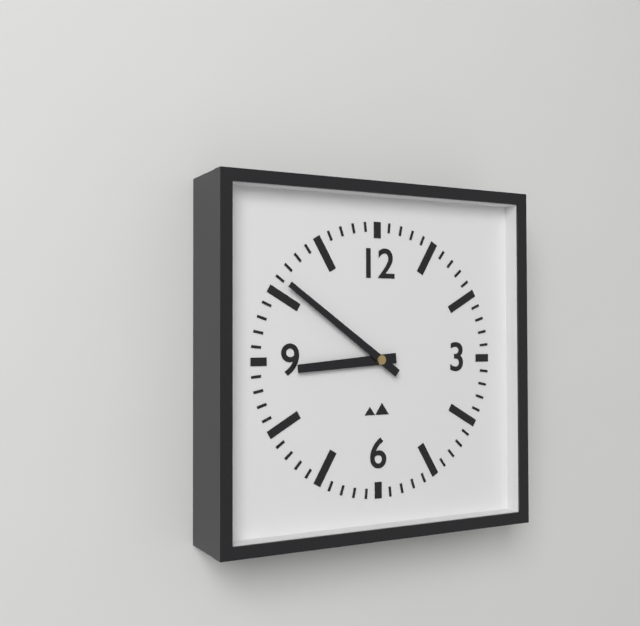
8.51
